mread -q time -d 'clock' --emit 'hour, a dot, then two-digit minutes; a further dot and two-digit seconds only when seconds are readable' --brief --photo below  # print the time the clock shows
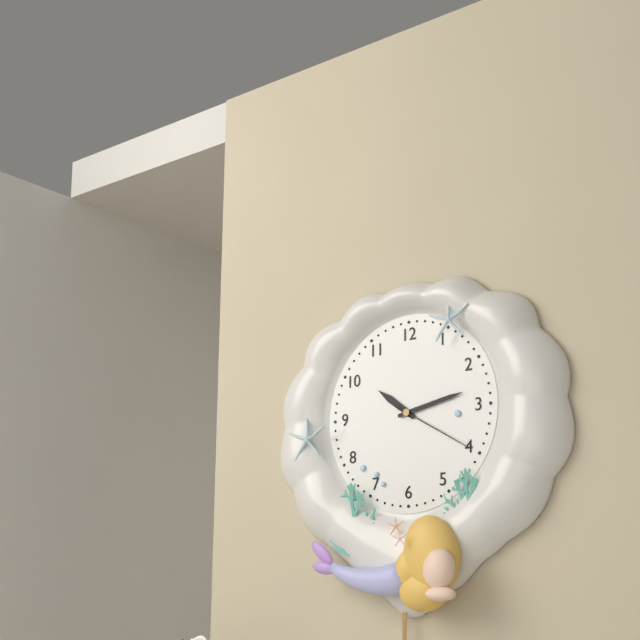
10.13.20
